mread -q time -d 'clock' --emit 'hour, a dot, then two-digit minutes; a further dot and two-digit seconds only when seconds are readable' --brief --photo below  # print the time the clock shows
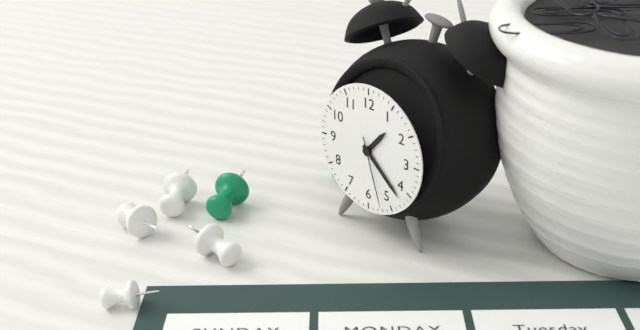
1.22.27
